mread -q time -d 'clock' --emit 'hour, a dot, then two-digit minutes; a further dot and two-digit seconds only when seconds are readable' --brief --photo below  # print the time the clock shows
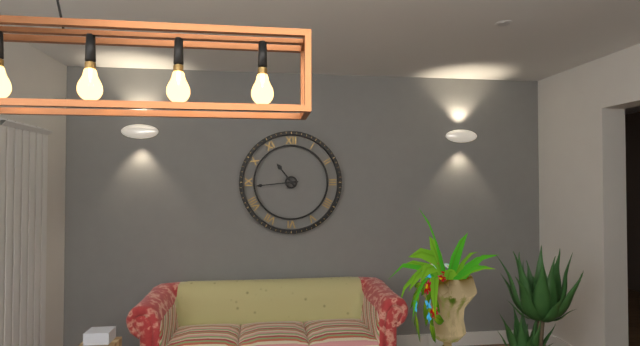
10.44
